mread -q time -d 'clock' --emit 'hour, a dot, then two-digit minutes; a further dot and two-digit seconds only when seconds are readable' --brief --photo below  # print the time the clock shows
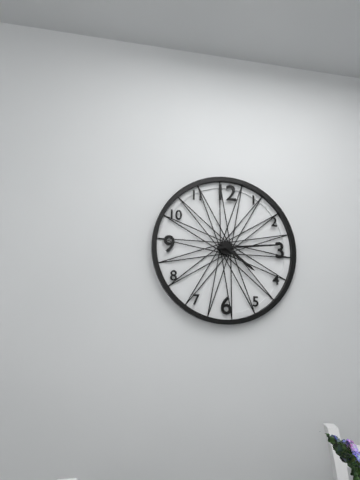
4.14
